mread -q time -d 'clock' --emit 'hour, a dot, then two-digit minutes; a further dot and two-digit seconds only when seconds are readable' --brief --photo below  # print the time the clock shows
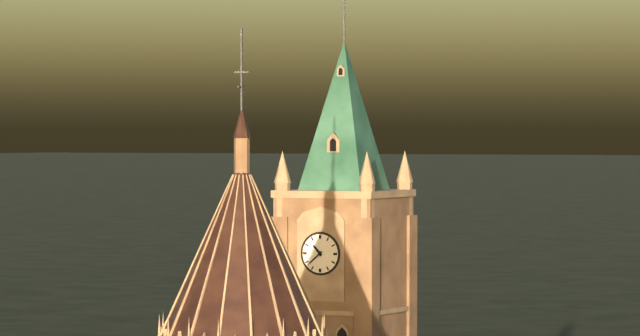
10.38
